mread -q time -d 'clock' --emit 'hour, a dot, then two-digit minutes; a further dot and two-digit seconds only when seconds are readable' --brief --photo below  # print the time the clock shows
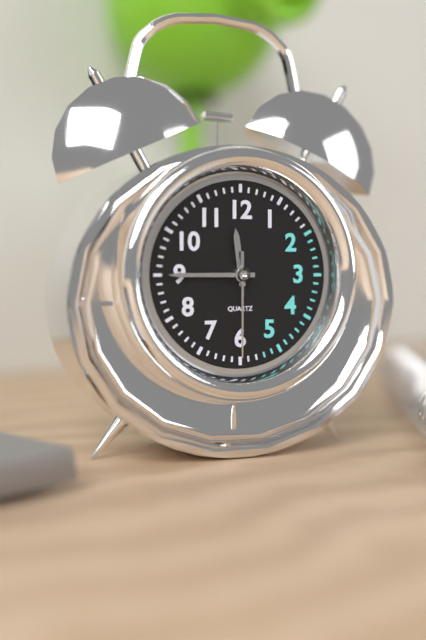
11.45.30
